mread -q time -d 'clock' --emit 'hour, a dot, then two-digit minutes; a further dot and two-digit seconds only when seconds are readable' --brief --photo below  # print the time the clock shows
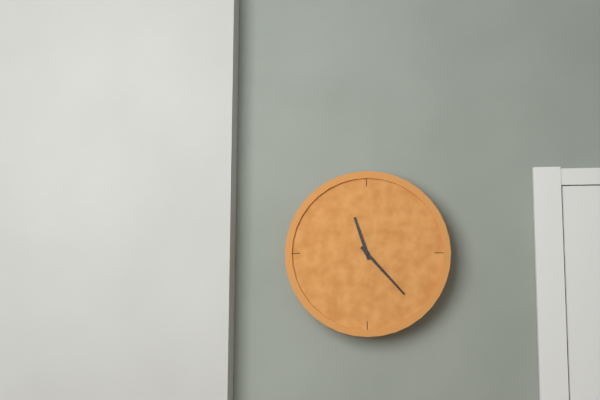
11.23
